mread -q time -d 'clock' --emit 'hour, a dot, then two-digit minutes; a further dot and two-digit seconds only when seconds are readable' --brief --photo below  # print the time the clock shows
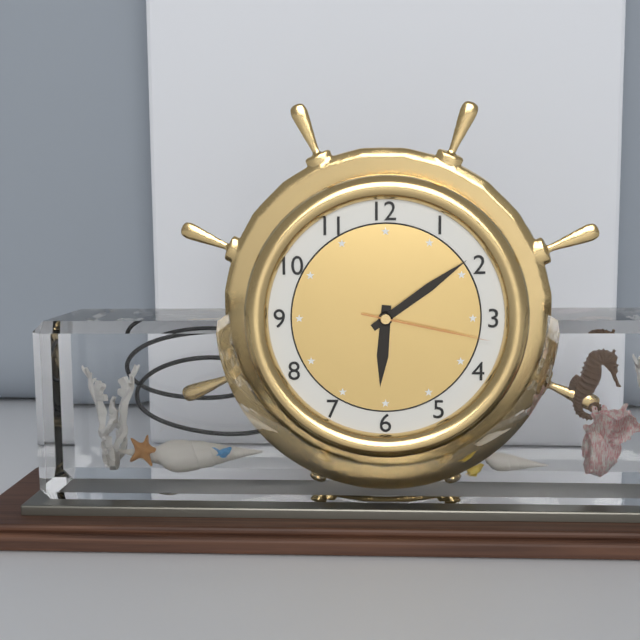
6.09.17
